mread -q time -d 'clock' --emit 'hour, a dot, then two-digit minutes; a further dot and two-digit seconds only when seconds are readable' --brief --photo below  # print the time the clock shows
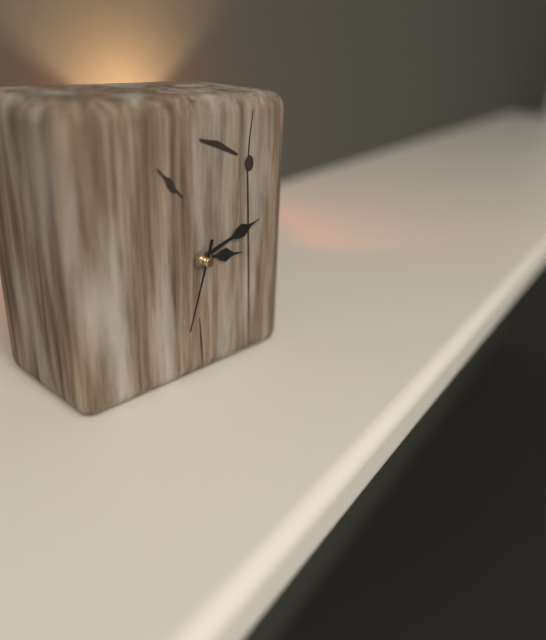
3.12.33
